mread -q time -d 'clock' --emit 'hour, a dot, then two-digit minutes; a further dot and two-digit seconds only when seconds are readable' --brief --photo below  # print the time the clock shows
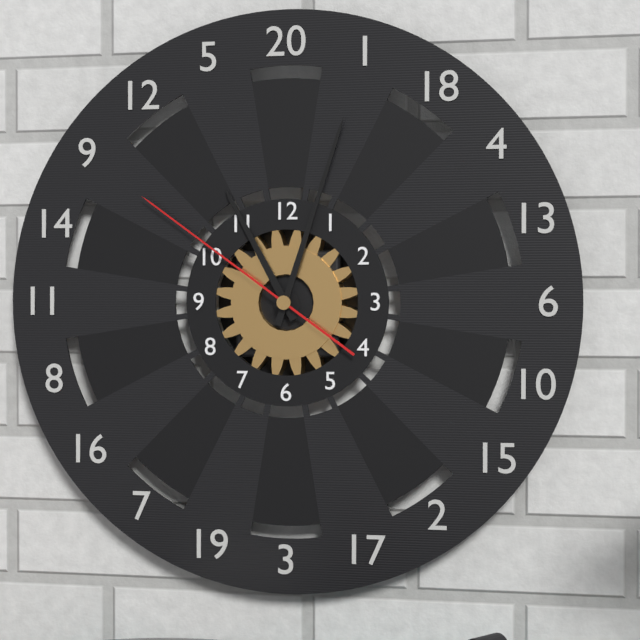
11.03.51
